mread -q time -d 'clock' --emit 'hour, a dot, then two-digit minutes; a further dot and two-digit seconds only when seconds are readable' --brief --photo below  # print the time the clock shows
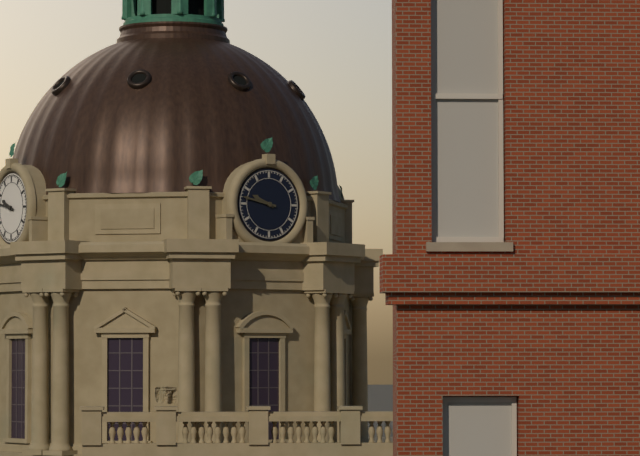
9.47
